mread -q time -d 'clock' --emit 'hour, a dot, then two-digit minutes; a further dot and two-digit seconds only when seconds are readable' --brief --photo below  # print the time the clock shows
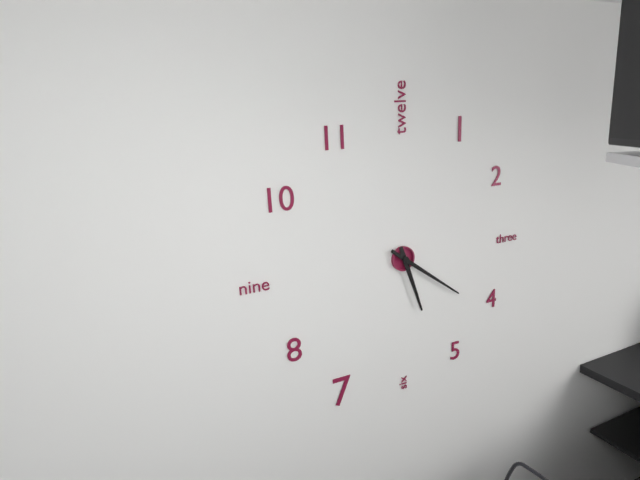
5.21
